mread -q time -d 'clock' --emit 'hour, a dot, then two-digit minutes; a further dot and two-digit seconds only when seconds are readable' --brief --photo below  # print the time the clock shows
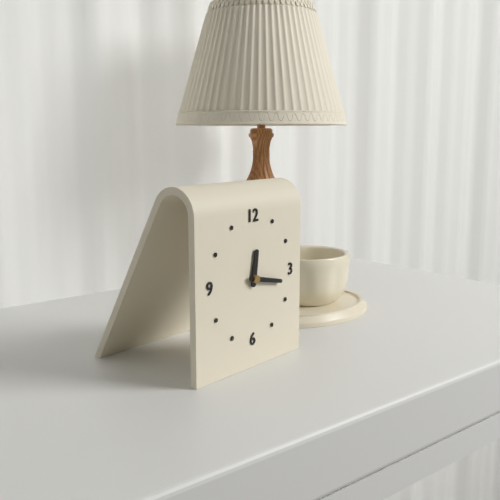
12.17
